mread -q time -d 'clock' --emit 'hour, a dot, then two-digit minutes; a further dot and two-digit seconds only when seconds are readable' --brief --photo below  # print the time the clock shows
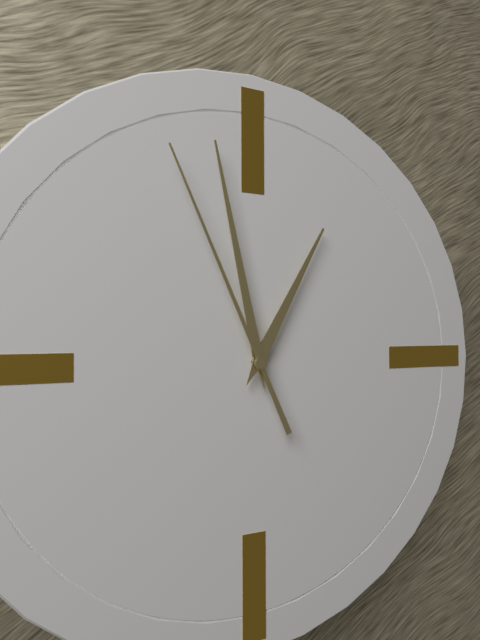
12.58.56
